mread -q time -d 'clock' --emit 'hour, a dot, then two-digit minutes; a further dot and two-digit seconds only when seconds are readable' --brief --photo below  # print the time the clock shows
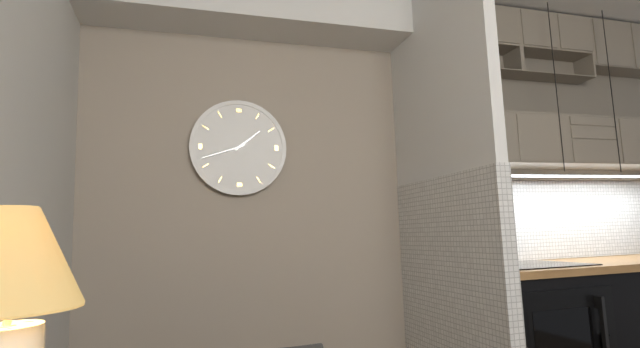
1.42
